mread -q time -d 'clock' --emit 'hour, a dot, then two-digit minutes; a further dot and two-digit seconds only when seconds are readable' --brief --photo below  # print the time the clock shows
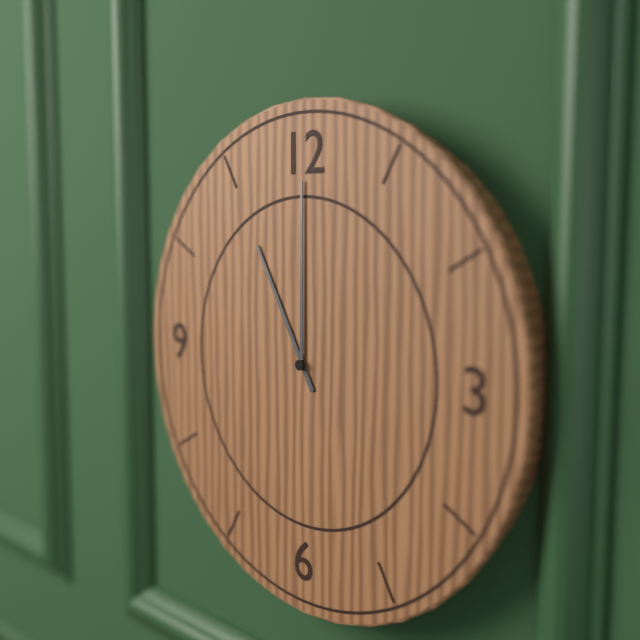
11.00
